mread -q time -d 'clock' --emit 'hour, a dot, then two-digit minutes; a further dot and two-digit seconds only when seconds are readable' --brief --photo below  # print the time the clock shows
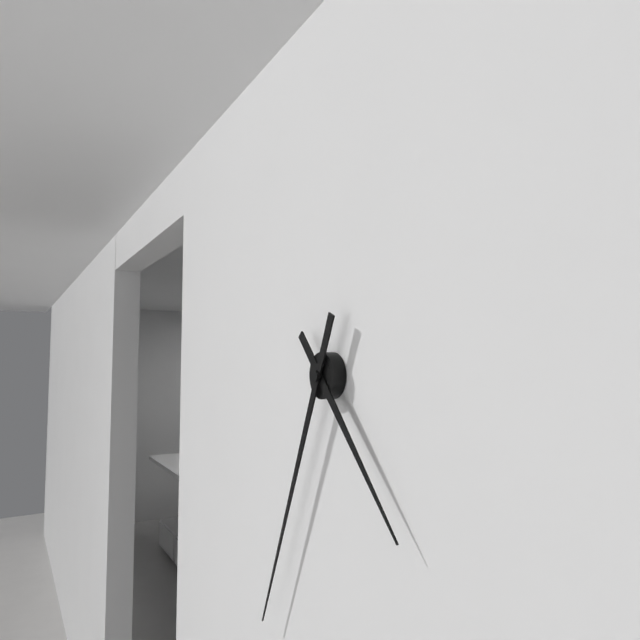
4.34
